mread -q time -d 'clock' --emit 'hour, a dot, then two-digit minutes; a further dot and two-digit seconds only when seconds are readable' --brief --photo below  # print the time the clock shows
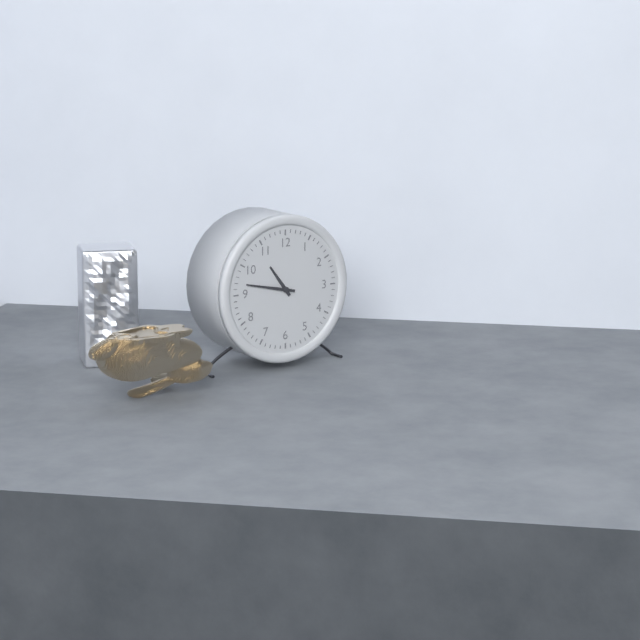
10.47
